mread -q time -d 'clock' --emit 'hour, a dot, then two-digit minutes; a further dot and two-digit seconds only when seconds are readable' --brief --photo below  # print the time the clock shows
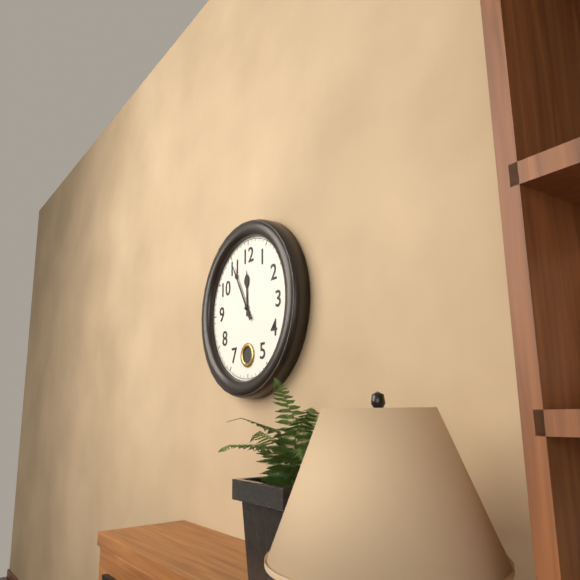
11.55
